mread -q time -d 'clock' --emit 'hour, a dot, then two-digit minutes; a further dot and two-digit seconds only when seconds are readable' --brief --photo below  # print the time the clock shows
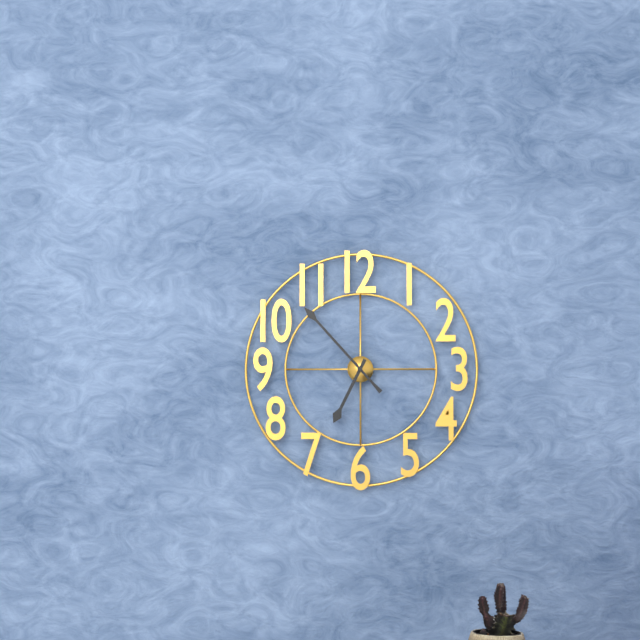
6.53
